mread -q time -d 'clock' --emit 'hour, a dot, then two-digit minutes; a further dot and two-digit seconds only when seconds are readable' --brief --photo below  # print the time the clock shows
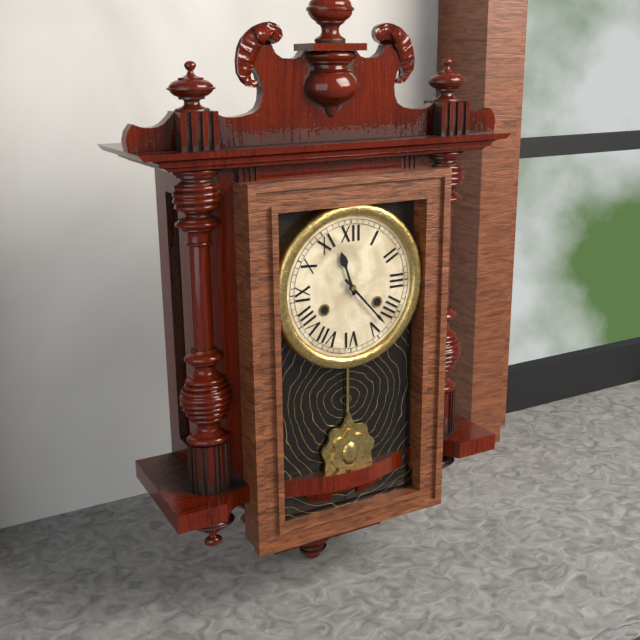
11.23
